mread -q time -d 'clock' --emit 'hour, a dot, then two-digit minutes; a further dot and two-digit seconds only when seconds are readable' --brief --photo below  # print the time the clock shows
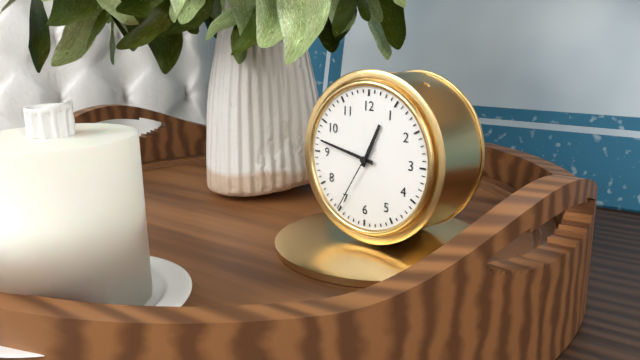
12.47.35
